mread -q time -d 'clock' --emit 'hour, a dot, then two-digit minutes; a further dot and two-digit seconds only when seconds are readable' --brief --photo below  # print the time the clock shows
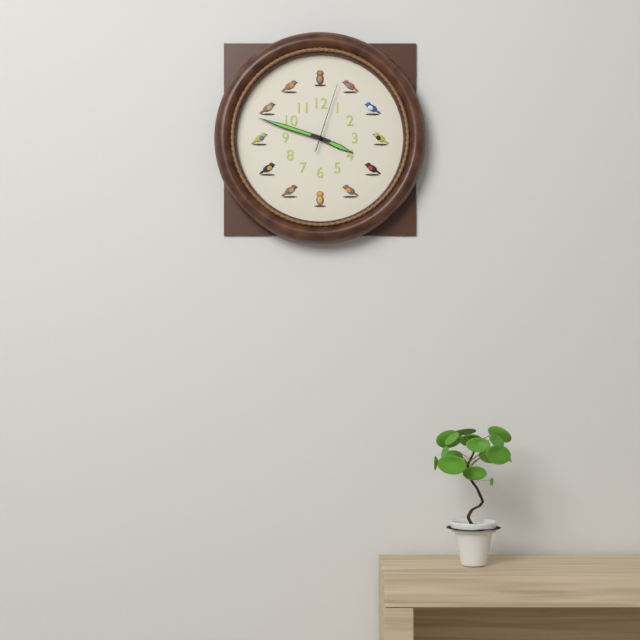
3.48.03
